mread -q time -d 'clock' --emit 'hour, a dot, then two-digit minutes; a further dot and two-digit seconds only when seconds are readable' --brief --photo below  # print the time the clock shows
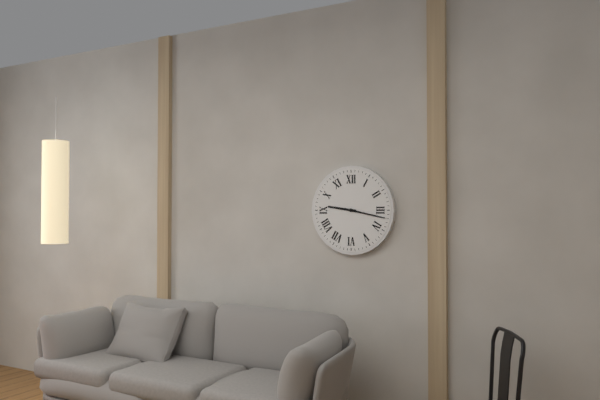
9.17
